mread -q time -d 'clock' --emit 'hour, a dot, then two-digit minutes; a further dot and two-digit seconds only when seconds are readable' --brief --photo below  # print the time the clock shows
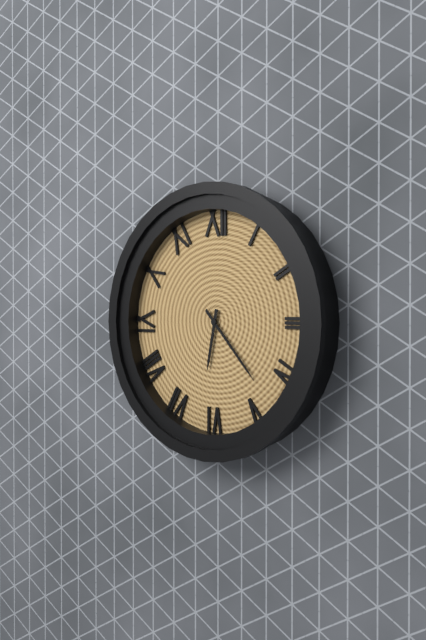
6.23
